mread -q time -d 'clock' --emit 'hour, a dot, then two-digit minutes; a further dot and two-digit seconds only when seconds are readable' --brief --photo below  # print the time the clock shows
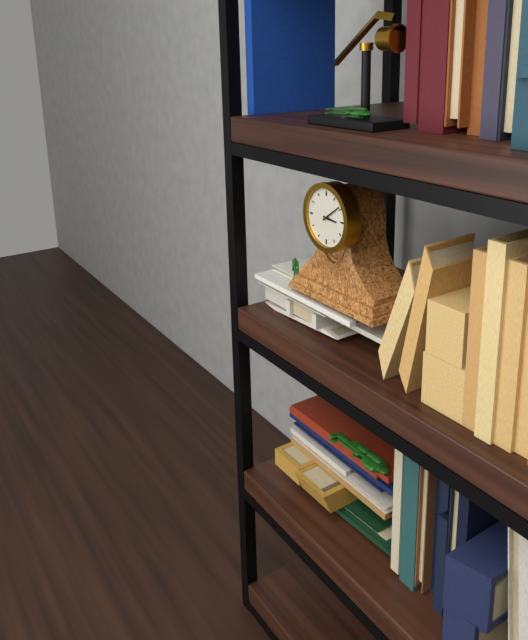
3.09
